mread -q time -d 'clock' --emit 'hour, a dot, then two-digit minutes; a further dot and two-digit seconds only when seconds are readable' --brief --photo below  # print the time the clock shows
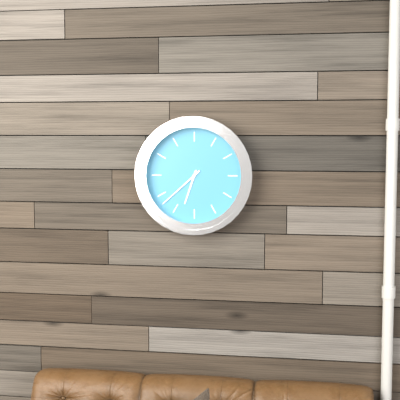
6.38
